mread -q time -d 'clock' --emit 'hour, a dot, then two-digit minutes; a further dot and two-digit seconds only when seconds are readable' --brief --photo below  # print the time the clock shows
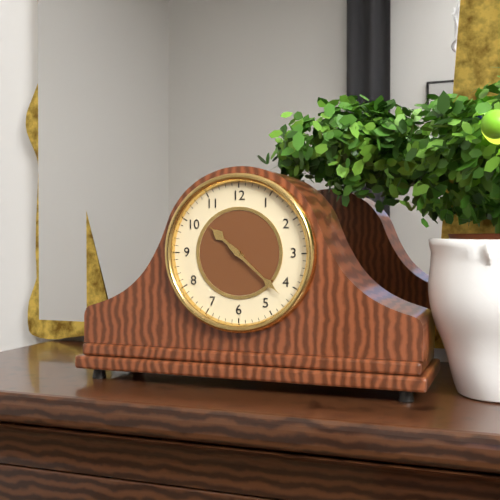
10.22
